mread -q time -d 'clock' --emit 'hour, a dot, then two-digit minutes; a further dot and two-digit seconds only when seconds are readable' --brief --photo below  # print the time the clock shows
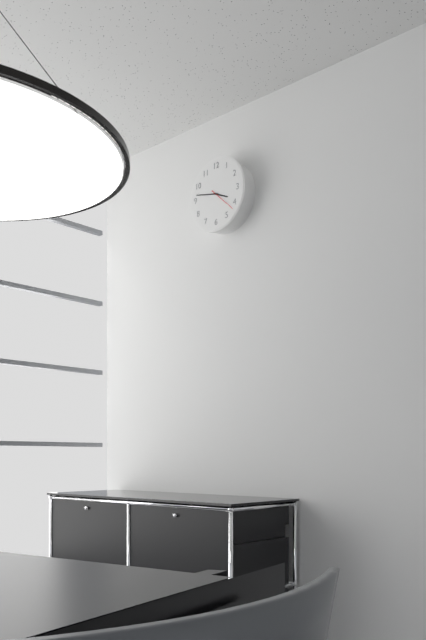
3.47
